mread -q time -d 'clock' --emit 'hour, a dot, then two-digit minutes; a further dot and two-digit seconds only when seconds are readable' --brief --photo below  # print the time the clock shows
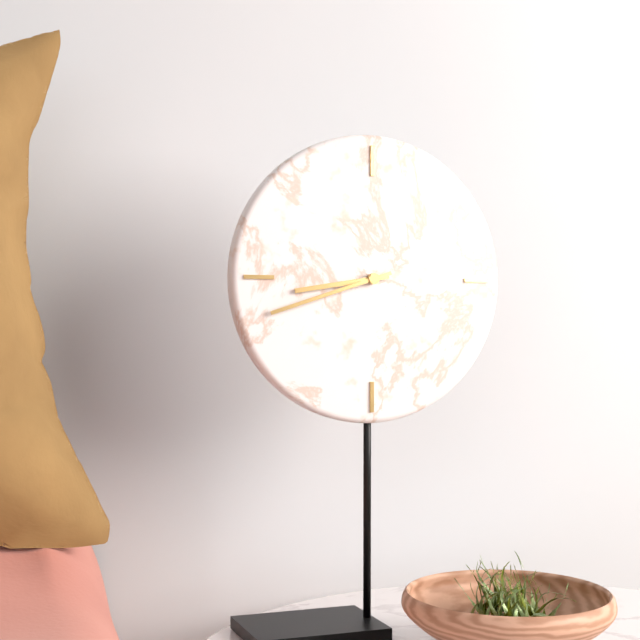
8.42
